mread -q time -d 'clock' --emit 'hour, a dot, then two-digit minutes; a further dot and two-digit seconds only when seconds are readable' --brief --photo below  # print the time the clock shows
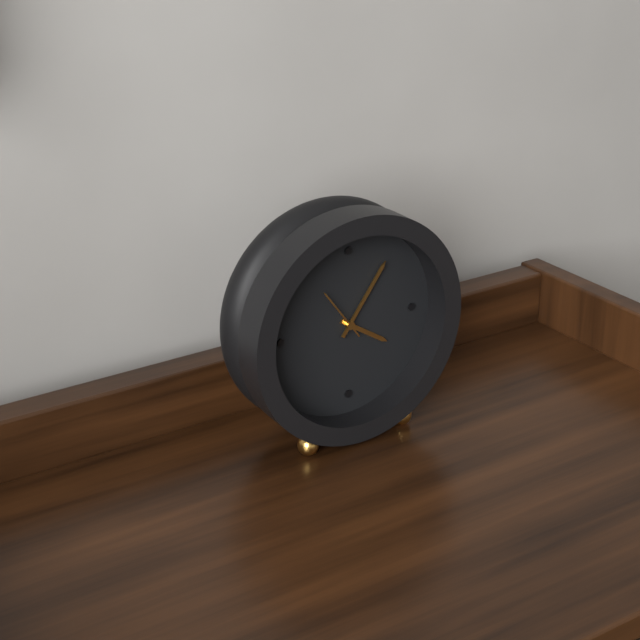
4.06.54
